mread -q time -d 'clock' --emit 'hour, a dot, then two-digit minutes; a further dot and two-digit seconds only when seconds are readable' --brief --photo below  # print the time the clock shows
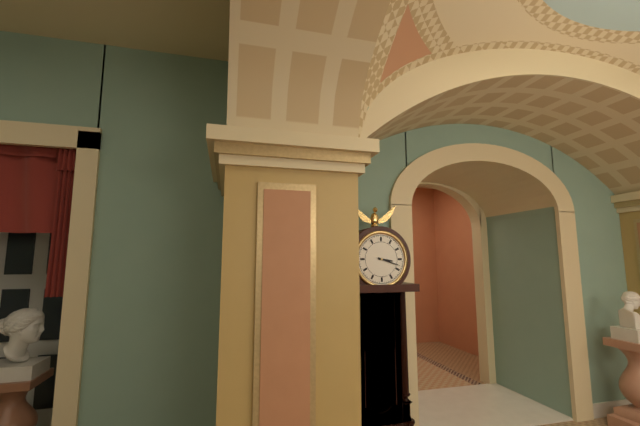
3.18
